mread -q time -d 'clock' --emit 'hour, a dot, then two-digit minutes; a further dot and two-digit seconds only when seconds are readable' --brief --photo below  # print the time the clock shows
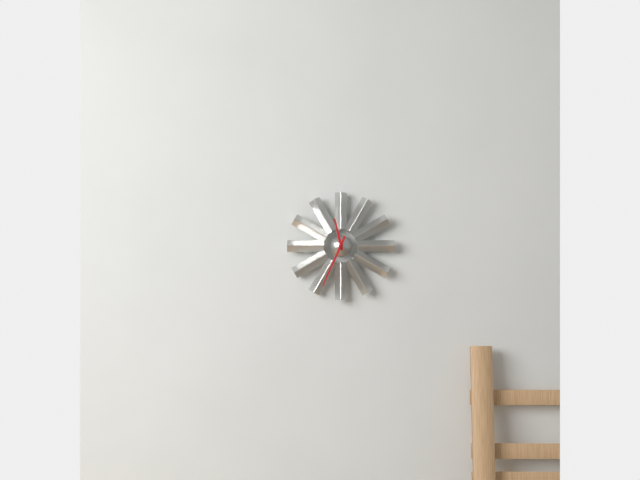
11.34
